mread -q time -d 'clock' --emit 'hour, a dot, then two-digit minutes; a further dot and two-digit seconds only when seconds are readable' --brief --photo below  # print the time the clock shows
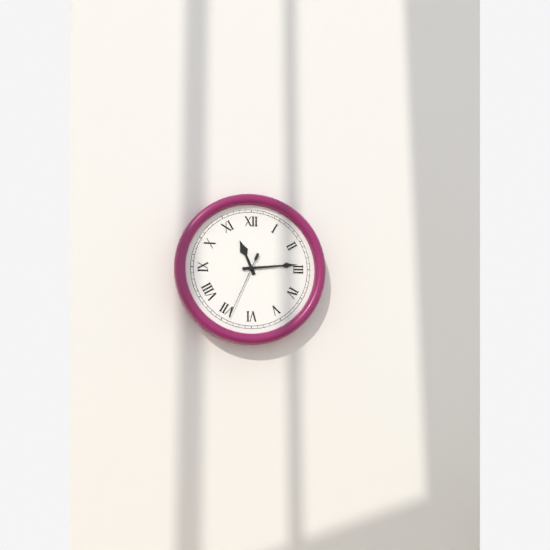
11.14.34
